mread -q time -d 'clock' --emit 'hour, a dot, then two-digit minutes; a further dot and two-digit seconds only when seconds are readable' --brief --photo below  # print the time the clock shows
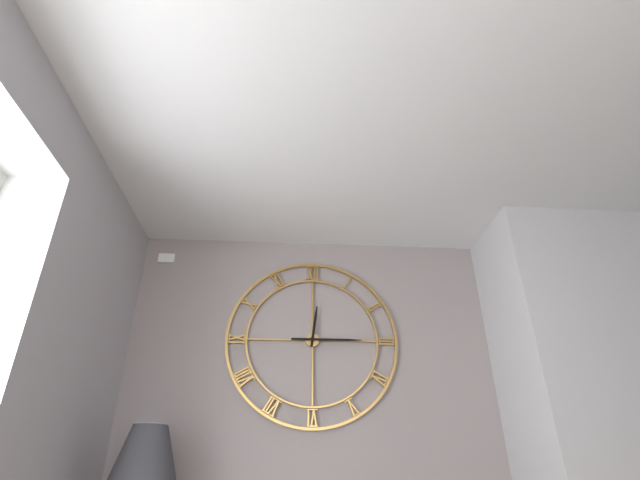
12.15
